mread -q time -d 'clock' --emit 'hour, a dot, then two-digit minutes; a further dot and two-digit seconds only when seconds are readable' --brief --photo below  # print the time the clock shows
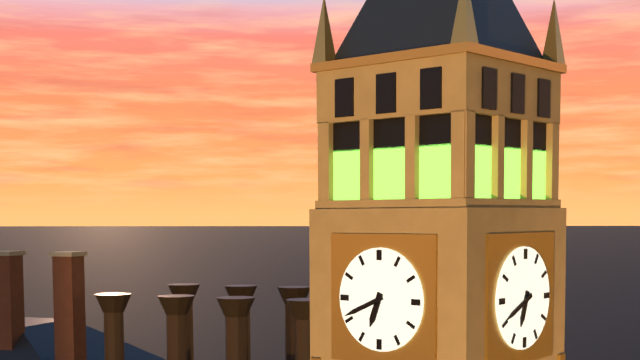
6.41
